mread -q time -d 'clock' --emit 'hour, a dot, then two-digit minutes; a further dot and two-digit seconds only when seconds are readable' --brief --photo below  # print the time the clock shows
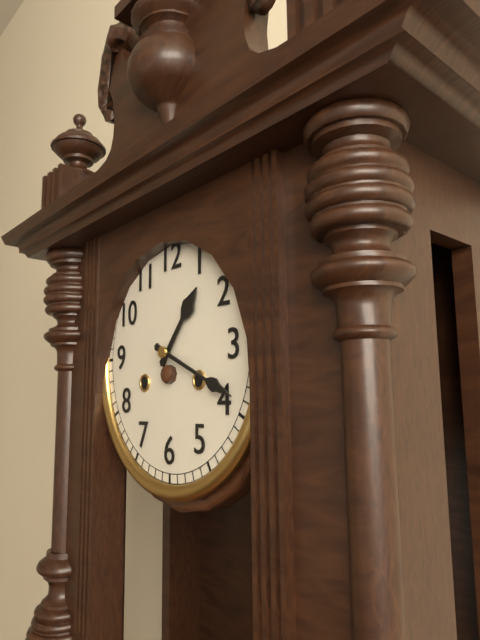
1.19
